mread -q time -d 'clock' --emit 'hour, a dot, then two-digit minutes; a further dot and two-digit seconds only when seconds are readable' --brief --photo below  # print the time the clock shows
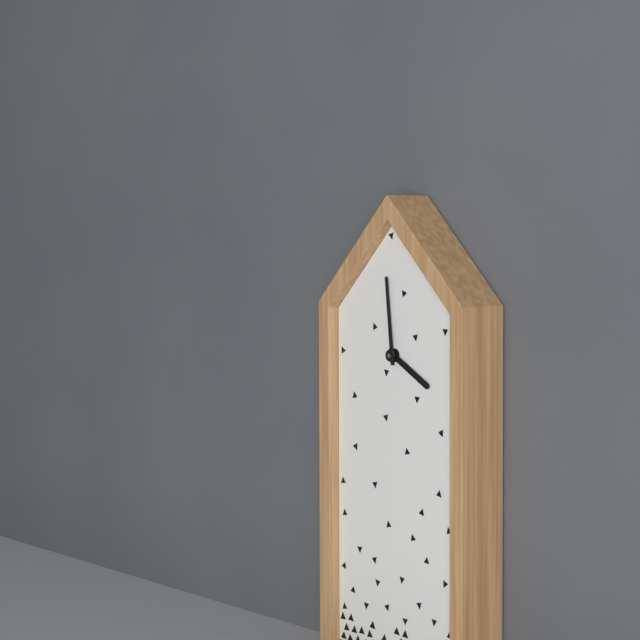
3.59
